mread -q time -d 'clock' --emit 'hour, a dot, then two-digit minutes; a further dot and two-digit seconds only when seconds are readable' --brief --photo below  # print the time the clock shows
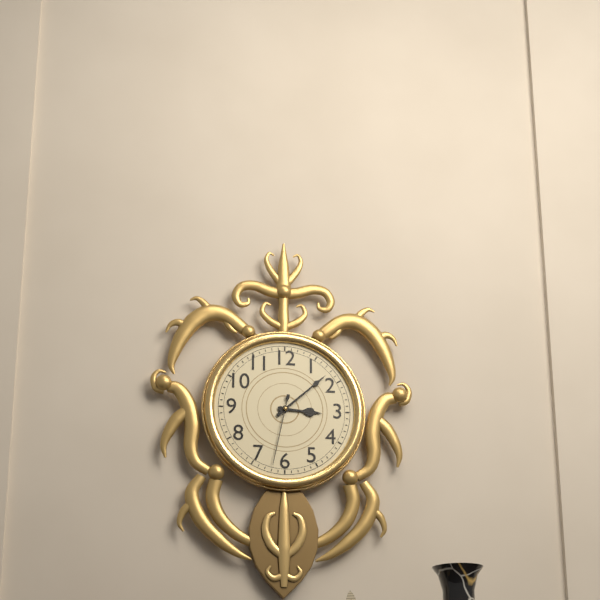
3.08.32
